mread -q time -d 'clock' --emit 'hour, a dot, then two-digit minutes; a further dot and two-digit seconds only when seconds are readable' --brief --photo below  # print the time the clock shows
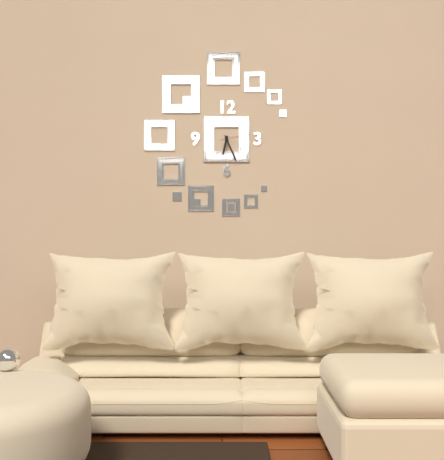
6.26
